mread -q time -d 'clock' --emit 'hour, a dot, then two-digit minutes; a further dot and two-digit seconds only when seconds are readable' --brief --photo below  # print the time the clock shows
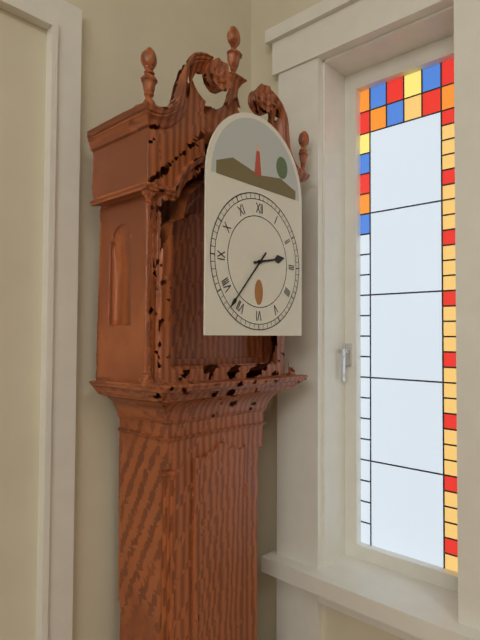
2.37
